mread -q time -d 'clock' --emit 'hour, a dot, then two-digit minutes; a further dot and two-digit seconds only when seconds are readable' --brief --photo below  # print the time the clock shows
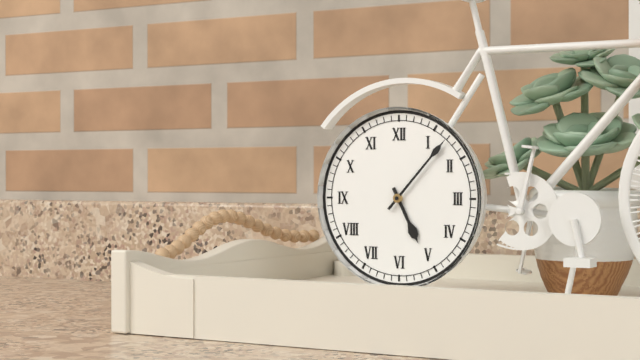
5.07
